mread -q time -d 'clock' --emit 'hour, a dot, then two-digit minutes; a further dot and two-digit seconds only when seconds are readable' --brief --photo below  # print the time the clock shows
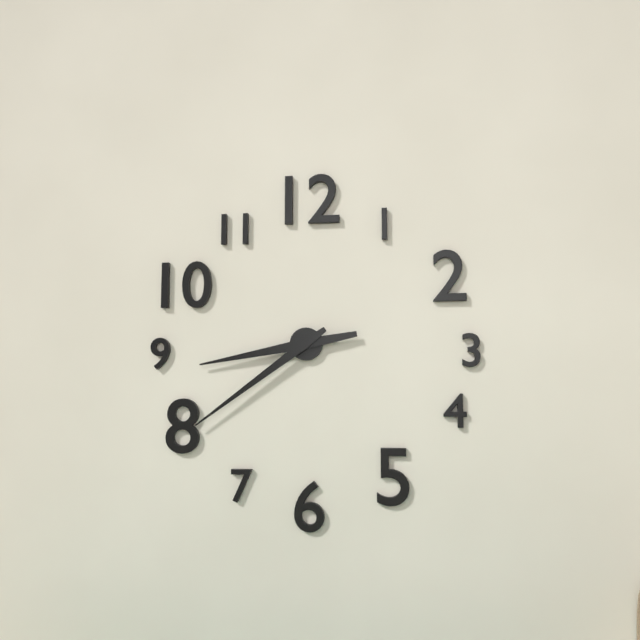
8.39
